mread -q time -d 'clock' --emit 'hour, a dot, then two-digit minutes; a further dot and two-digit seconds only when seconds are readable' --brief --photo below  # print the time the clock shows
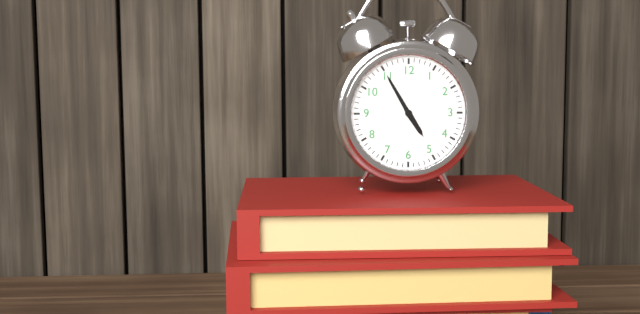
4.55
